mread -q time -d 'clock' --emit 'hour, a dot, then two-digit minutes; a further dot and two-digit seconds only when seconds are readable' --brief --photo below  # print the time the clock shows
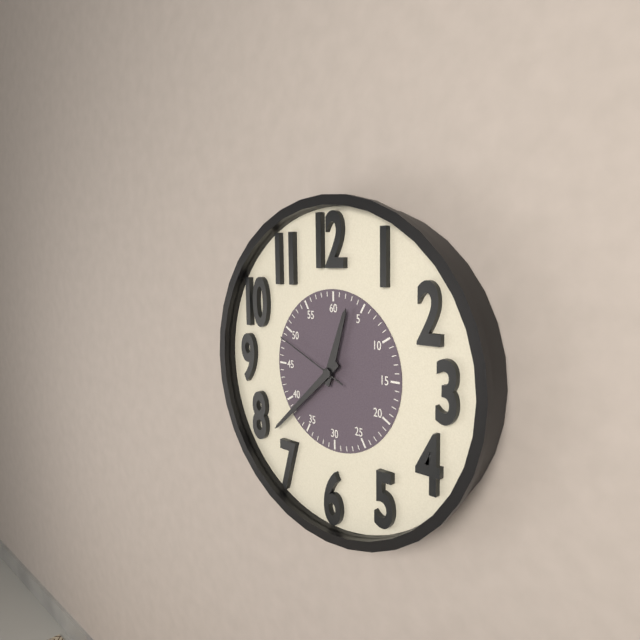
12.38.49
